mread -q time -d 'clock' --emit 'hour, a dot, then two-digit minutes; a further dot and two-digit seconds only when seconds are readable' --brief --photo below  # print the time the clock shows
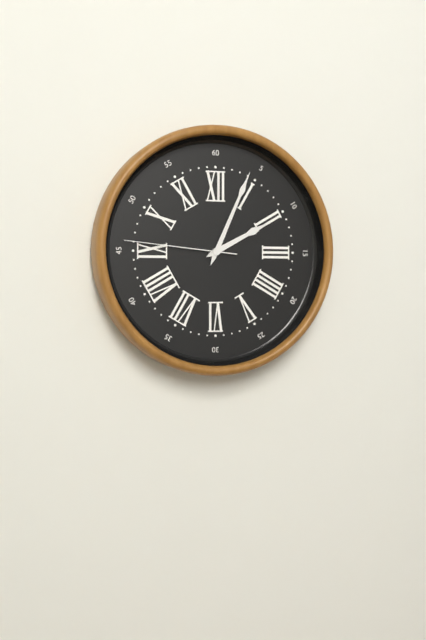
2.04.46
